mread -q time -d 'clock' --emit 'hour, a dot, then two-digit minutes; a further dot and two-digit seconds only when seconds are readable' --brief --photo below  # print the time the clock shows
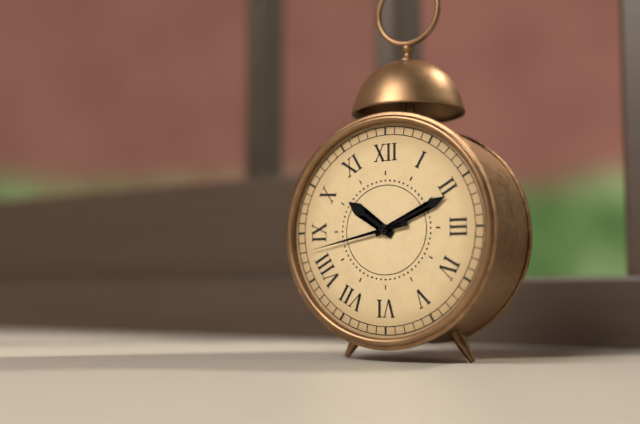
10.11.43
